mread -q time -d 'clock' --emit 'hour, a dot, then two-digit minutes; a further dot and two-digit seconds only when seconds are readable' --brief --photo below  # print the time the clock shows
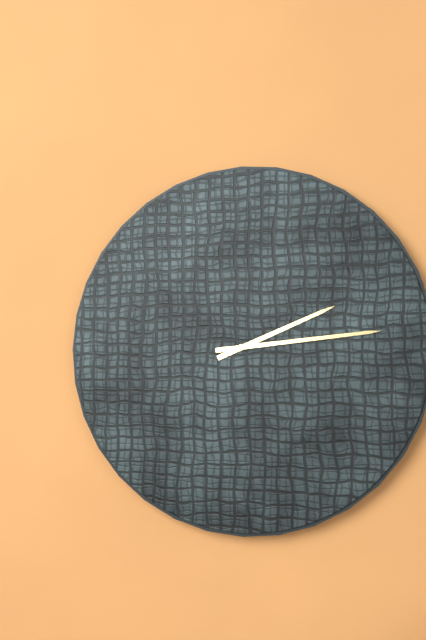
2.14
